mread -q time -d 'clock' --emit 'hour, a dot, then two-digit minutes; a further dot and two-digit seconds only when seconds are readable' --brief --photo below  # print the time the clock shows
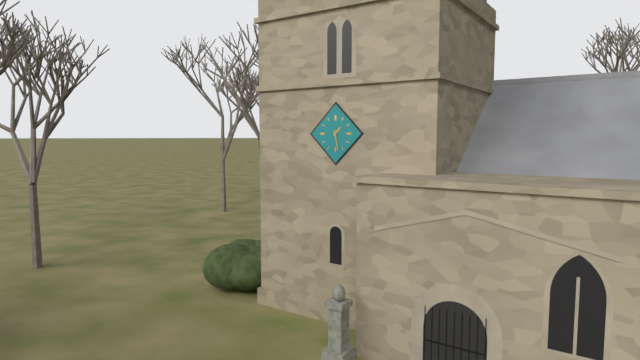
1.28
